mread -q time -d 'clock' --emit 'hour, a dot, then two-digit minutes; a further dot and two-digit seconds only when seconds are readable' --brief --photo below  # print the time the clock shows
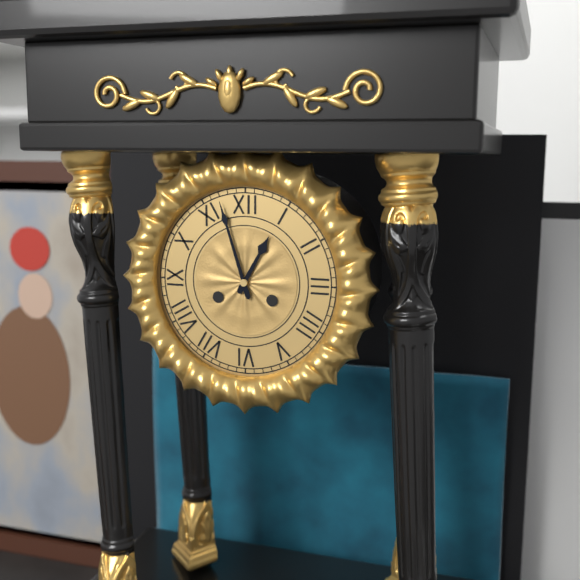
12.57
